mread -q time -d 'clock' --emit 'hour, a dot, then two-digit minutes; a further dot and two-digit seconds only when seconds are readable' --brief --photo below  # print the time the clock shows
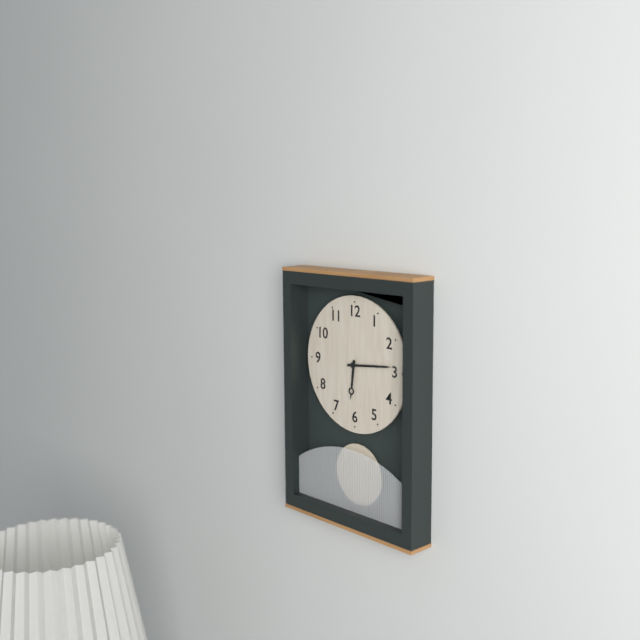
6.14
